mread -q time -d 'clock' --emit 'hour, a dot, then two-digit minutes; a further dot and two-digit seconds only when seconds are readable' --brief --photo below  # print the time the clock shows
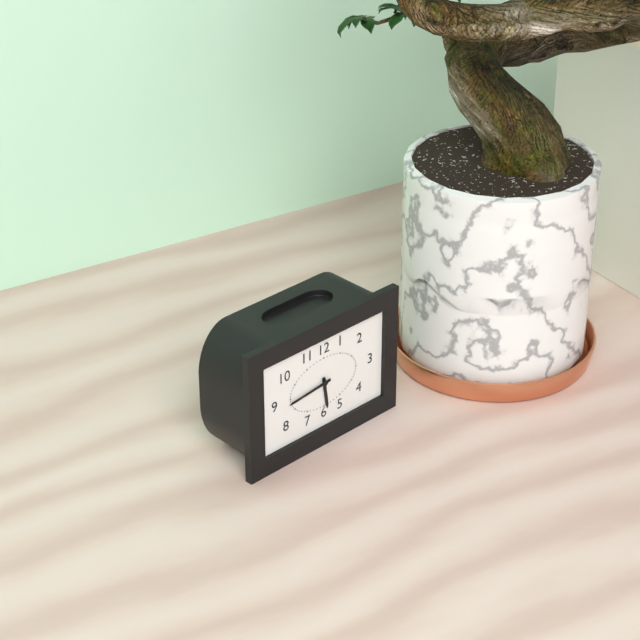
5.44
